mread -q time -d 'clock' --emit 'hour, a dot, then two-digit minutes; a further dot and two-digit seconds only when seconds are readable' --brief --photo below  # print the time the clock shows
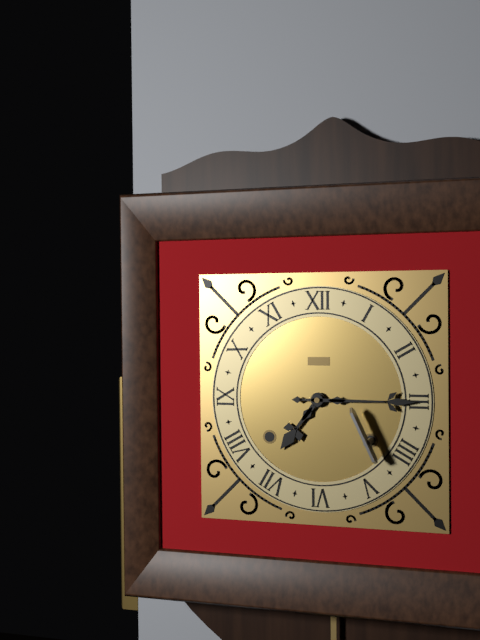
7.15
